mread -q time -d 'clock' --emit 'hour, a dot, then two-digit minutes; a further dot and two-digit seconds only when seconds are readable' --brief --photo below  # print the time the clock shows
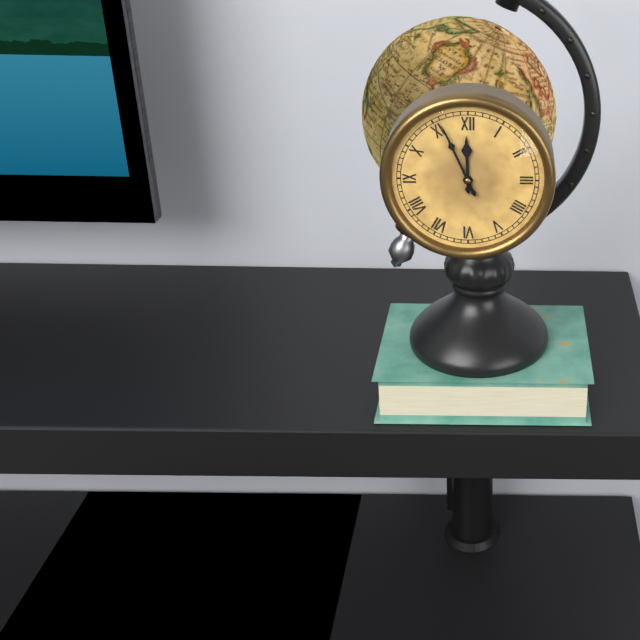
11.56
